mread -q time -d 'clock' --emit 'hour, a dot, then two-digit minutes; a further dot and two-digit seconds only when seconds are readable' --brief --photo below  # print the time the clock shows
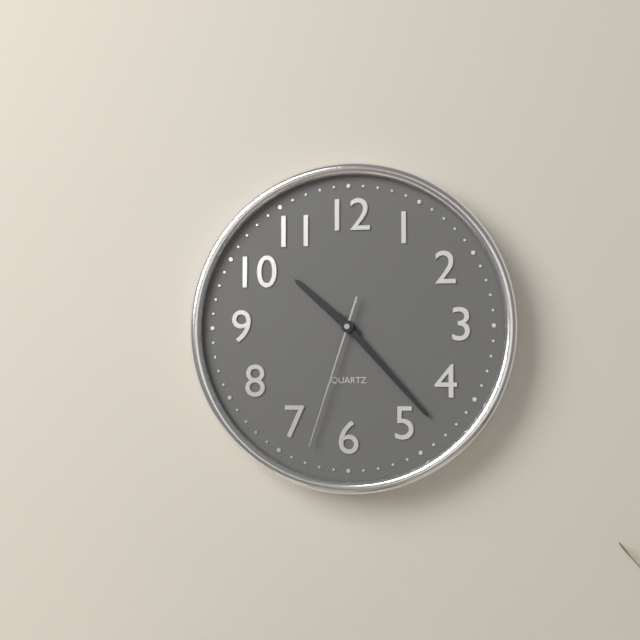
10.23.33
